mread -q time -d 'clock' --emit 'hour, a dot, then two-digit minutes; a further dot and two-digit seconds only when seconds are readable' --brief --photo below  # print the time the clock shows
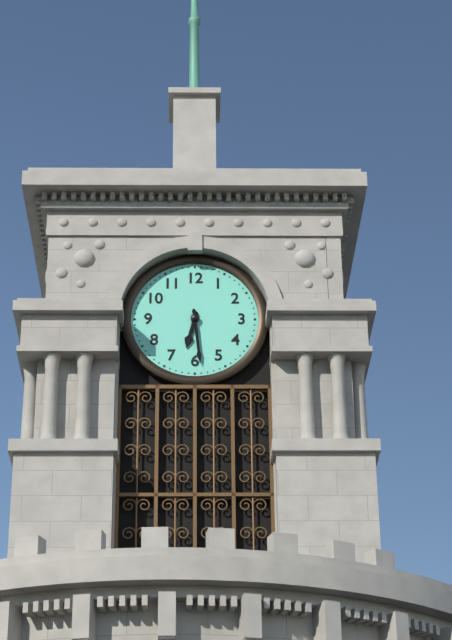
6.29
